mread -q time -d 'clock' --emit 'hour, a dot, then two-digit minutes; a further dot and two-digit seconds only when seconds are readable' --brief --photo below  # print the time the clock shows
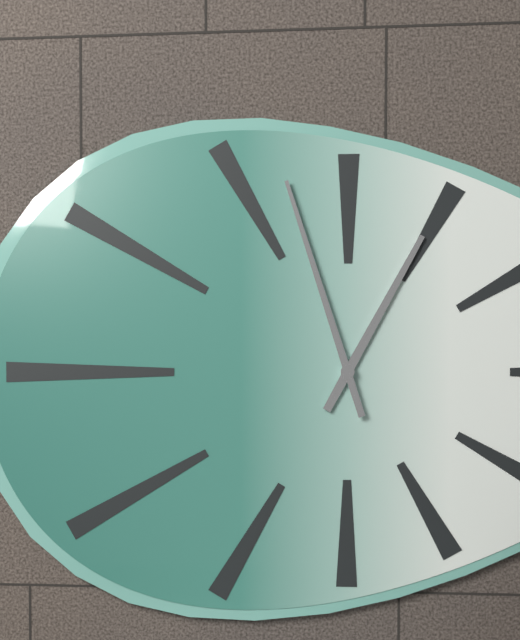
12.57
